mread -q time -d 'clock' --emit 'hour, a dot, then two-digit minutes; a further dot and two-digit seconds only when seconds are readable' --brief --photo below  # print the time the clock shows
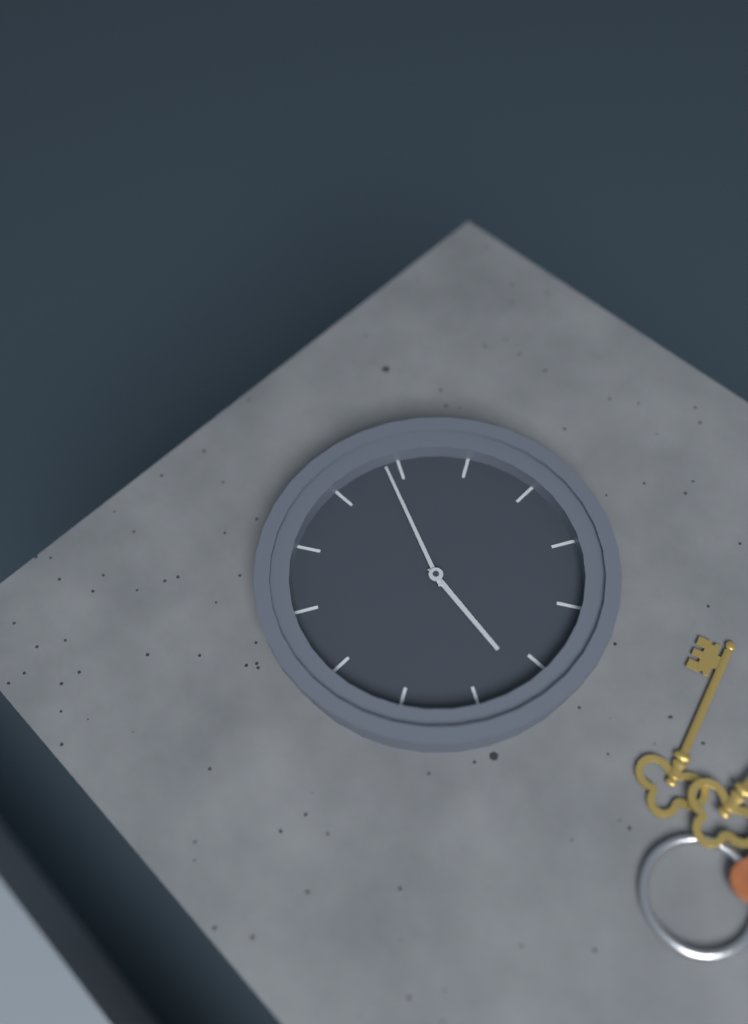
9.19
